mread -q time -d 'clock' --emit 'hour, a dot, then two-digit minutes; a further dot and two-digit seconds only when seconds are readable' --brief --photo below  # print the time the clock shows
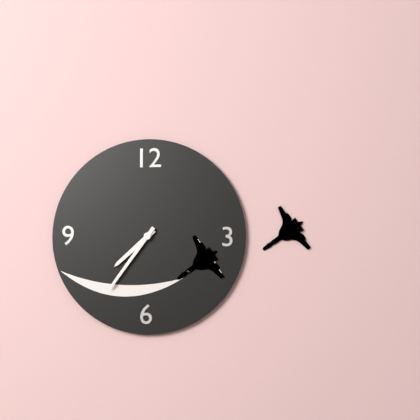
7.36
